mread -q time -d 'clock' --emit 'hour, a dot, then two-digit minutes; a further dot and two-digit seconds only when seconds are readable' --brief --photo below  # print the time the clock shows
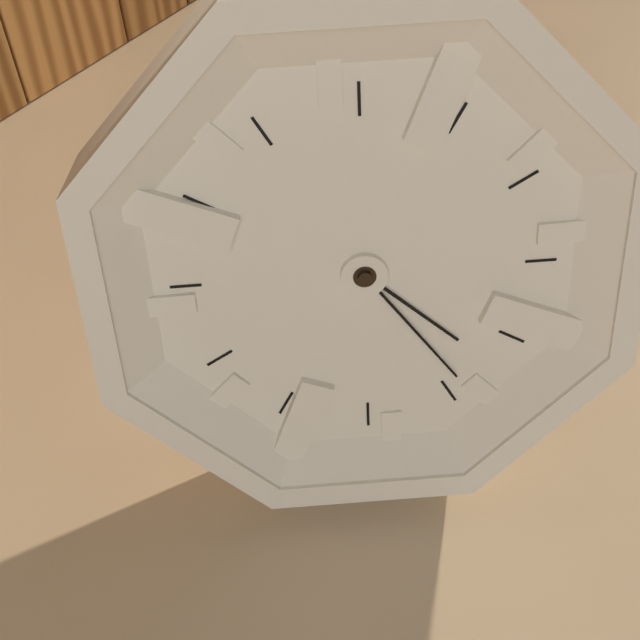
4.24
